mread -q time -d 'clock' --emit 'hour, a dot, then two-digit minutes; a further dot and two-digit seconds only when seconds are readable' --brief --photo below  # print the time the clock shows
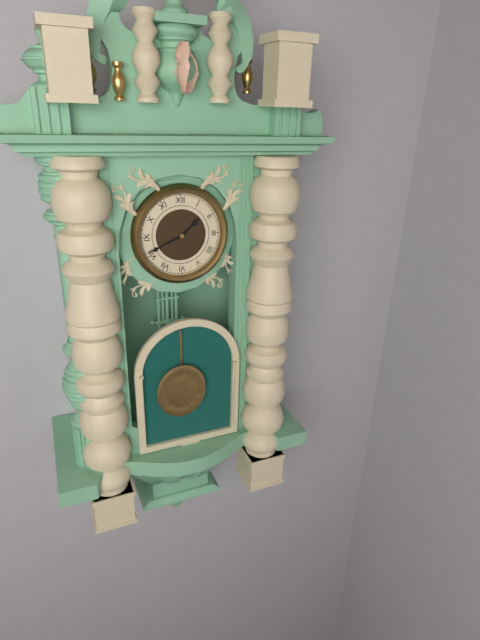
1.41
